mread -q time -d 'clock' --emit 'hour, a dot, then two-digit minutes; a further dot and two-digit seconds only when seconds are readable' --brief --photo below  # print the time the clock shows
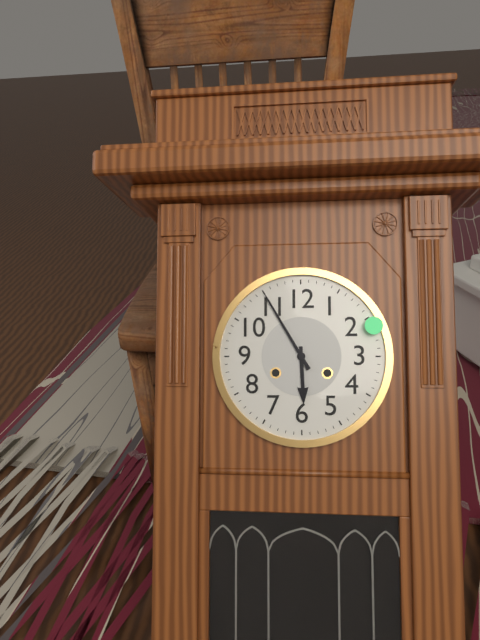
5.55
